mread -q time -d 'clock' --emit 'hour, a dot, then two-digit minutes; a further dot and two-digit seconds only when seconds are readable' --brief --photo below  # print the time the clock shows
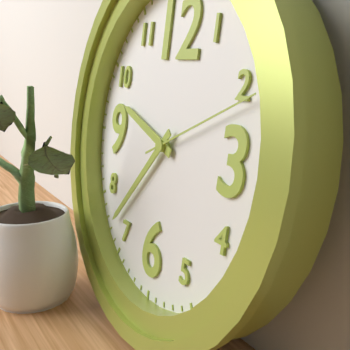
9.37.11
